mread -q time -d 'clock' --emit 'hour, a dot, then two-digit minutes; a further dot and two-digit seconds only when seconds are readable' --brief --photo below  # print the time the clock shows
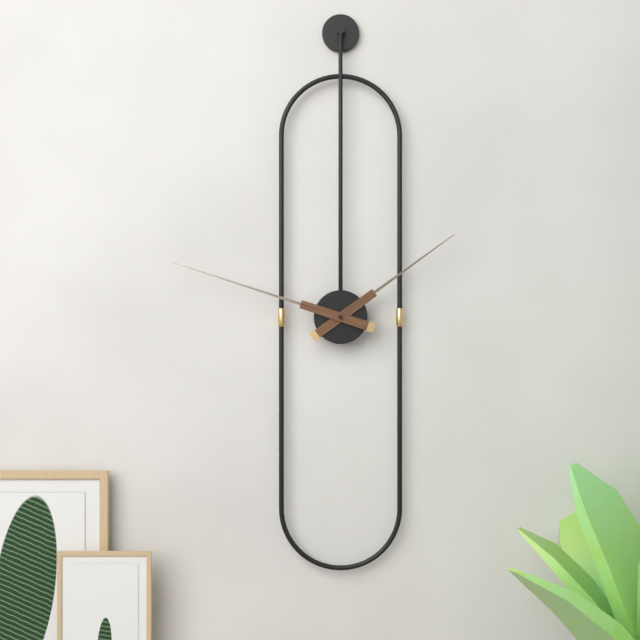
1.48
